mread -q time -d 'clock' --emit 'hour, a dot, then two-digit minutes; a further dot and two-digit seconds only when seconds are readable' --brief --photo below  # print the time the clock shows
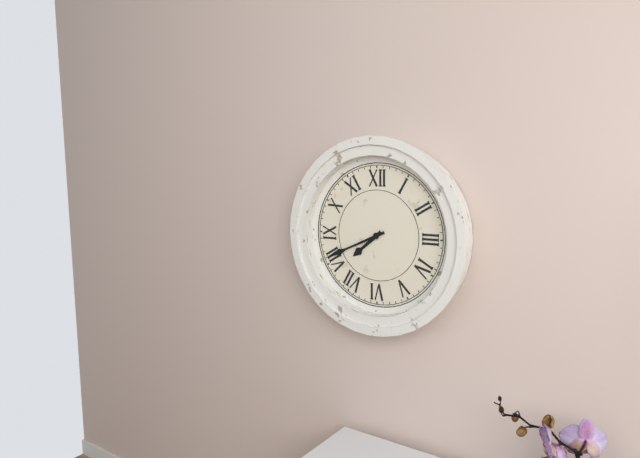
7.41
